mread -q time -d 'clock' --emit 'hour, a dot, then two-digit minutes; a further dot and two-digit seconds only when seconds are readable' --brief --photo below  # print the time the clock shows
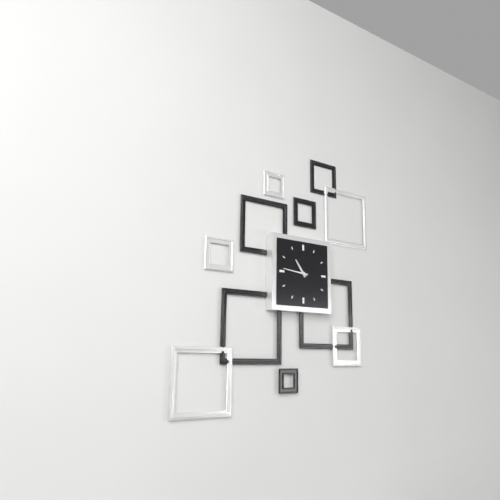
10.46
